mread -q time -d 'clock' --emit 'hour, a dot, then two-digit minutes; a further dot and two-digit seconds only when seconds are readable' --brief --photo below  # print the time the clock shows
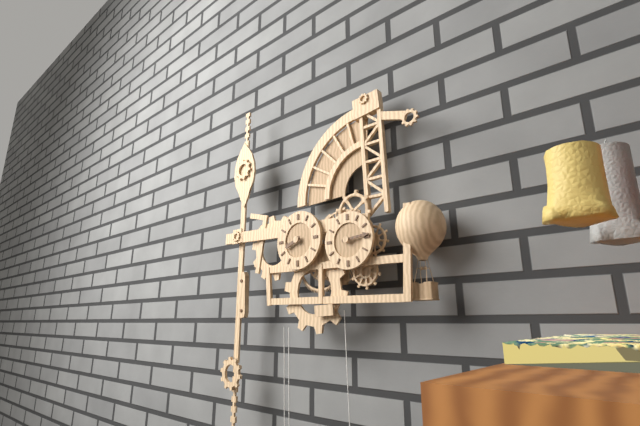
8.14
